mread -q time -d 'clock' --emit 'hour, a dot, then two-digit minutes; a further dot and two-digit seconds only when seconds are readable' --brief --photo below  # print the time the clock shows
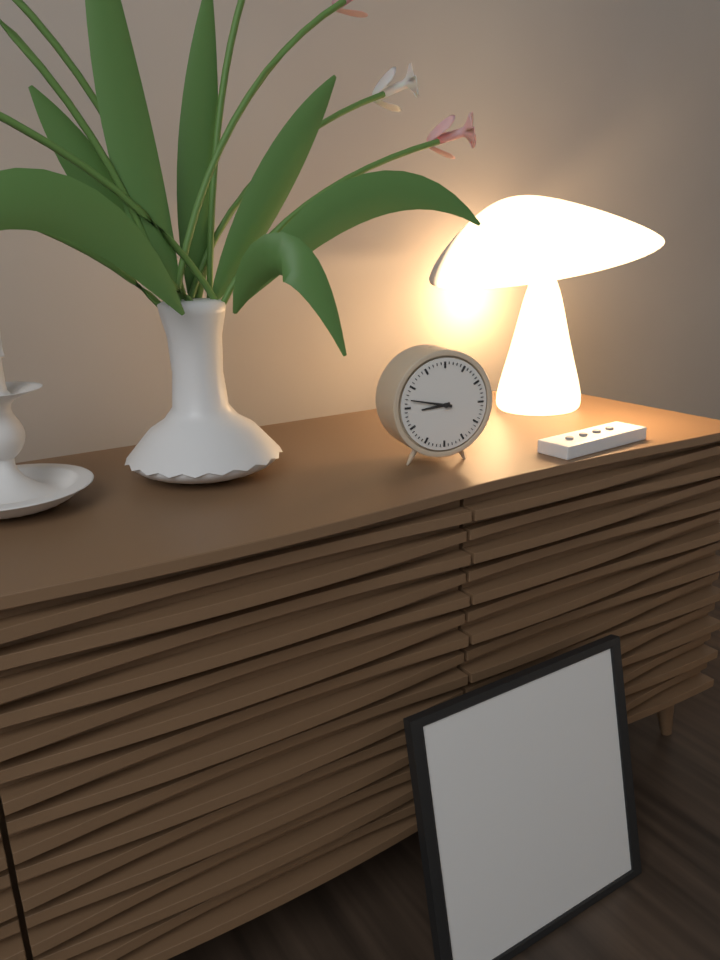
8.47
